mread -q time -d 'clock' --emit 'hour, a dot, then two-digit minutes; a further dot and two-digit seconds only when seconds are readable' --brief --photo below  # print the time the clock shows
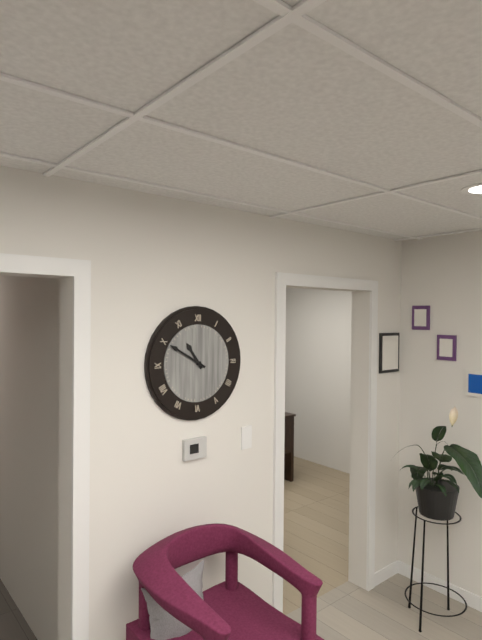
10.50
